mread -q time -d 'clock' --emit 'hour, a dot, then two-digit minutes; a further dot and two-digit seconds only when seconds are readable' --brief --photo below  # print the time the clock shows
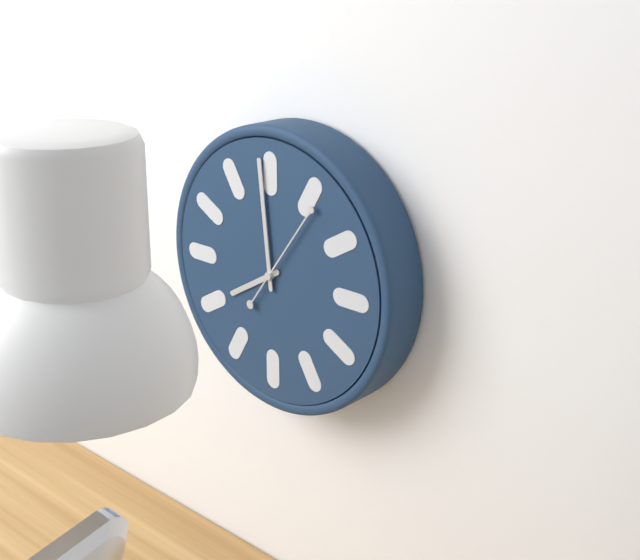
7.59.06
